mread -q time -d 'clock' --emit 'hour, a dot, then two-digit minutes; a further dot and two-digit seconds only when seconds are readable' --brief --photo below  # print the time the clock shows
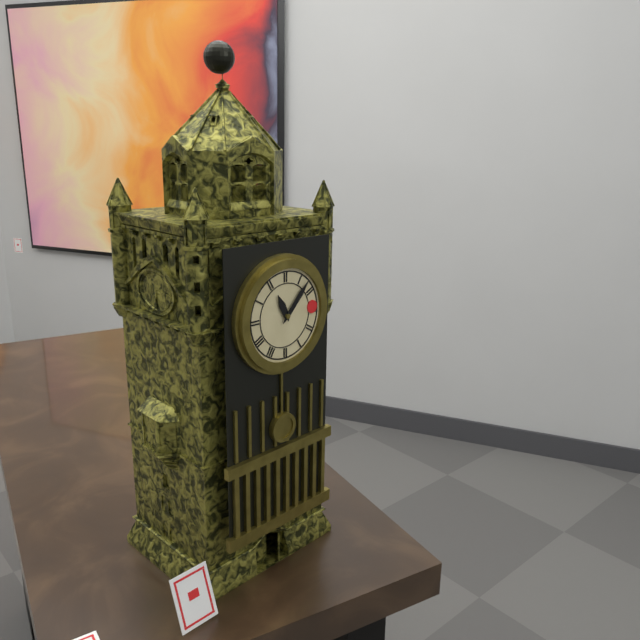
11.07
